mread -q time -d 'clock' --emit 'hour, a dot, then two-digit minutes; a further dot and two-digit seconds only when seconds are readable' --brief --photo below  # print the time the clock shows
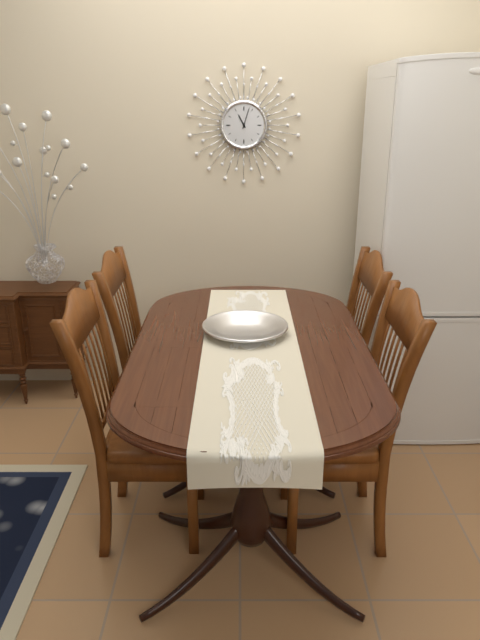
11.03
